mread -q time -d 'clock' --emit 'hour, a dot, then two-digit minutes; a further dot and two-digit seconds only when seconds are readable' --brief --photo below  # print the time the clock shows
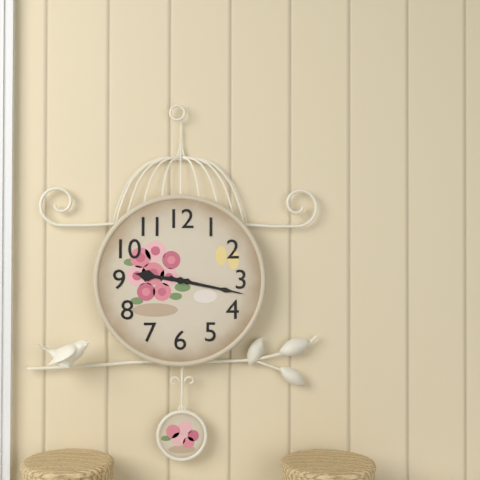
9.17
